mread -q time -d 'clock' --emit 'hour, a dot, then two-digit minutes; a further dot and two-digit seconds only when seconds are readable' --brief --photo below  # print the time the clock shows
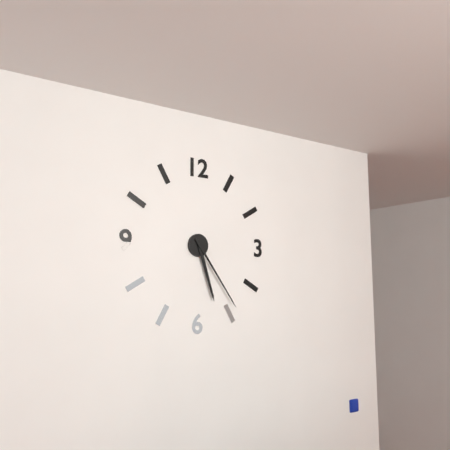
5.24
